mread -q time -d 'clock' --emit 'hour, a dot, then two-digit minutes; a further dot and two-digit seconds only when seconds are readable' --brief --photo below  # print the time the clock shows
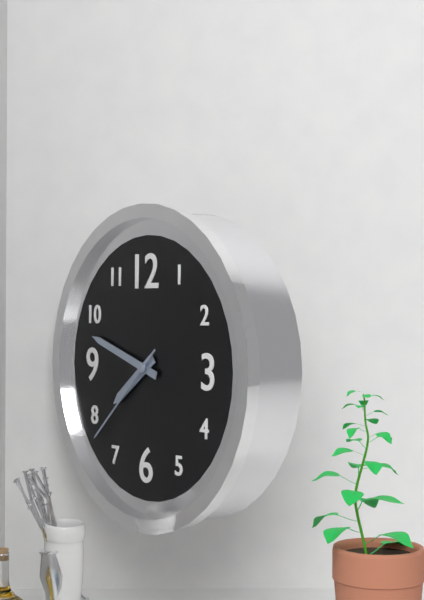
7.48.38
